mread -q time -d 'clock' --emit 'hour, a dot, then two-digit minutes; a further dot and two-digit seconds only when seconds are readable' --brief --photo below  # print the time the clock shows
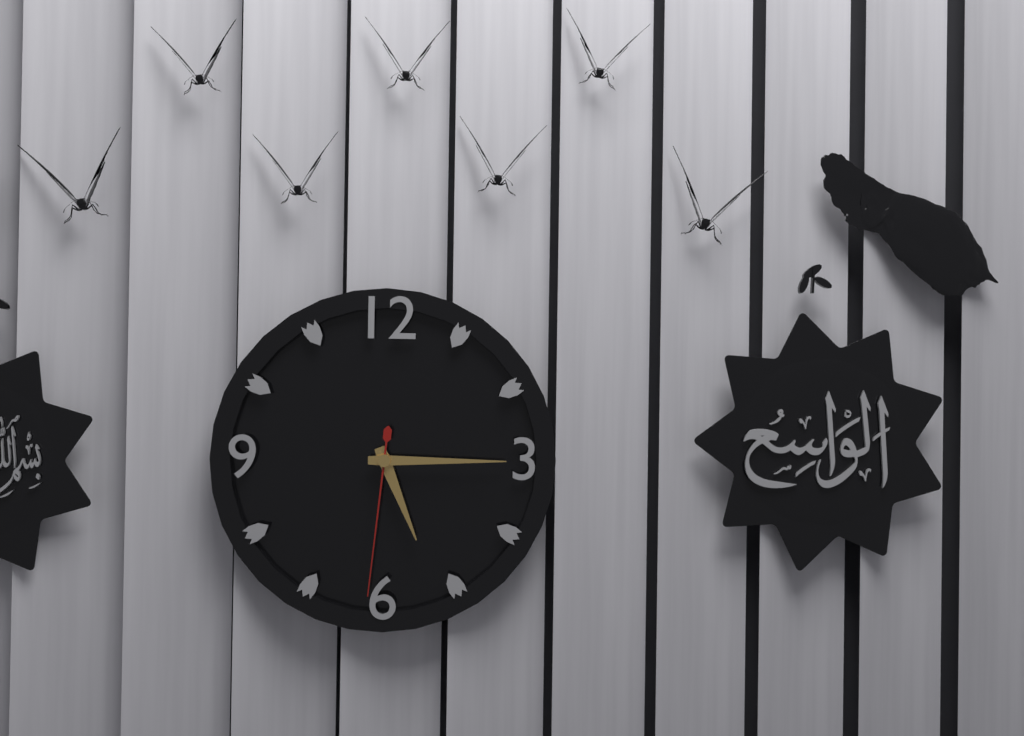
5.15.31
